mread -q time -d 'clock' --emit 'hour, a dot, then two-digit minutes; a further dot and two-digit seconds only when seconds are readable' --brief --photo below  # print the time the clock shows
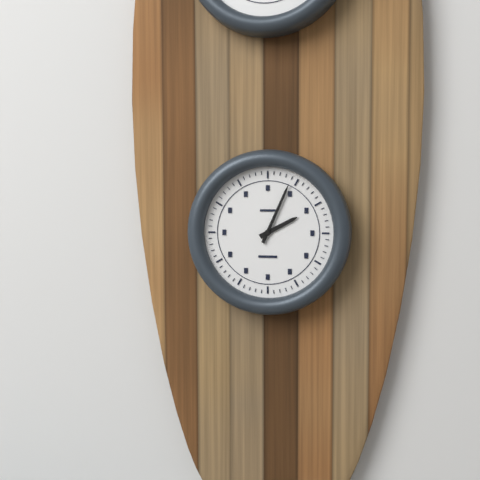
2.04
